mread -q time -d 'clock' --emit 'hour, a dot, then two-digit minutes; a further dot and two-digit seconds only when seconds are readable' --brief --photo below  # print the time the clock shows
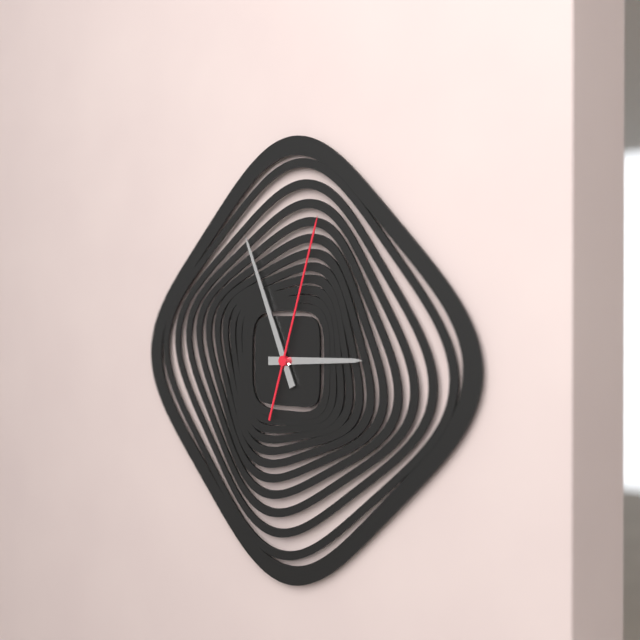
2.56.03
